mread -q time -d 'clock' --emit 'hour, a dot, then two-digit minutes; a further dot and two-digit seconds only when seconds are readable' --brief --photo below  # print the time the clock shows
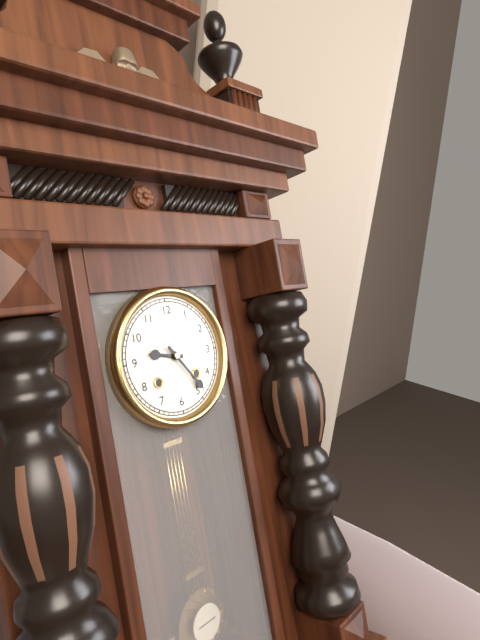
9.24
